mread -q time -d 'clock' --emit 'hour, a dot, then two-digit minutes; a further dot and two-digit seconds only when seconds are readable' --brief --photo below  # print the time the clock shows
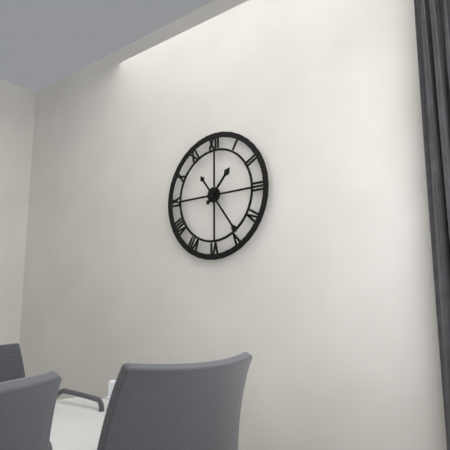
1.24
